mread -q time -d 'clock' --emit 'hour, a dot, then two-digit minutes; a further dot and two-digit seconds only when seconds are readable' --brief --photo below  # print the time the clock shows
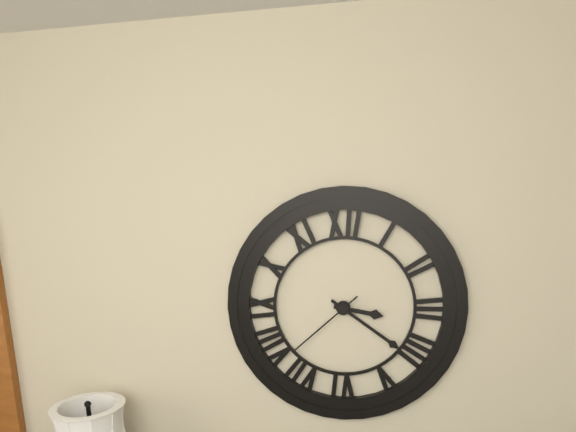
3.21.38
